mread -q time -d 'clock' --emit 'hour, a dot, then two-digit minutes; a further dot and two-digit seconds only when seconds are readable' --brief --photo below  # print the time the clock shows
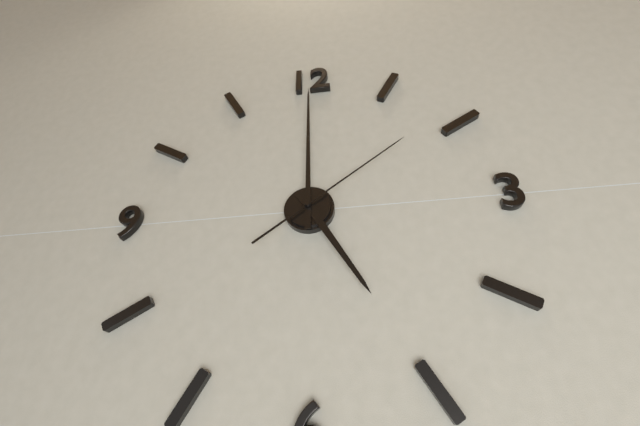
5.00.09
